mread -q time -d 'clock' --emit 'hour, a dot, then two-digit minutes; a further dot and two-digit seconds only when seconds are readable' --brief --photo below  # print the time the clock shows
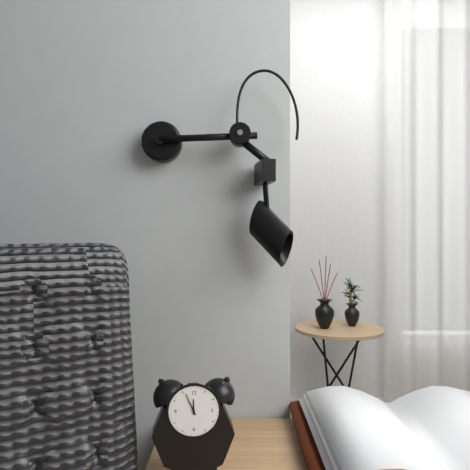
11.56
